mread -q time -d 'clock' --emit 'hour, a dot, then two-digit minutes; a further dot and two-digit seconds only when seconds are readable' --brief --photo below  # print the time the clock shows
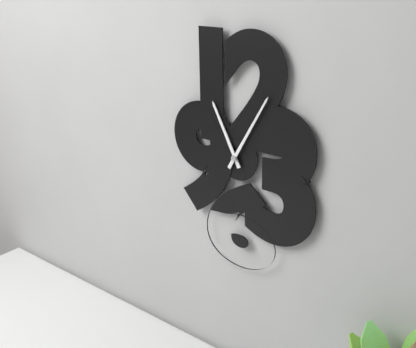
11.05
